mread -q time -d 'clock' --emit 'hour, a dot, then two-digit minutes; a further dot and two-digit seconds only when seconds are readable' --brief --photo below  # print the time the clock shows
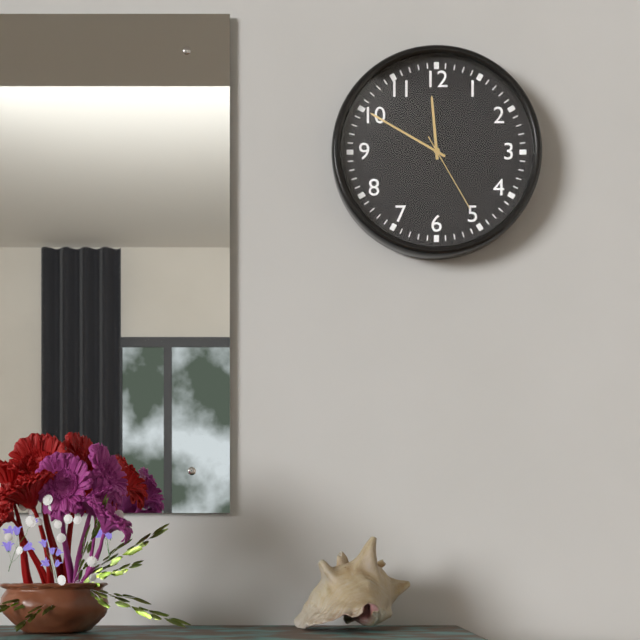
11.50.25
